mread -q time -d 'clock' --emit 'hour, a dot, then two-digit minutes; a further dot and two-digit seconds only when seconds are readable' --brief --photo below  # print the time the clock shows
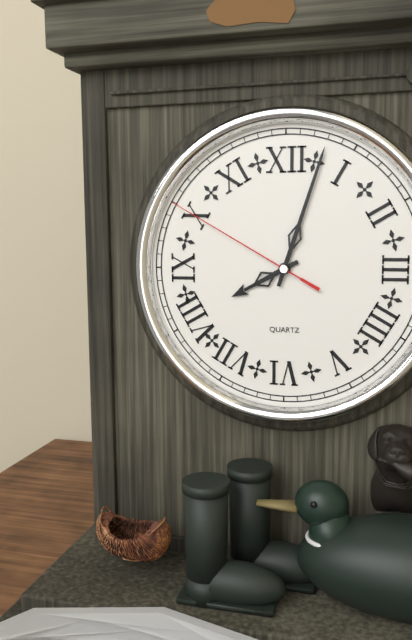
8.03.50
